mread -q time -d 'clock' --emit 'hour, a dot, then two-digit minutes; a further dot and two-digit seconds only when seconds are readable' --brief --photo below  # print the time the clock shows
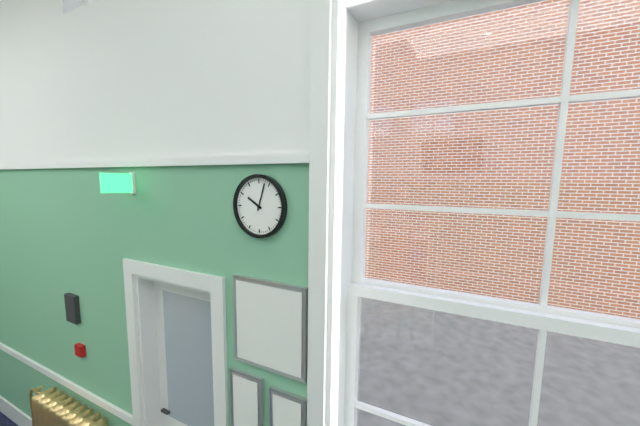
10.03
